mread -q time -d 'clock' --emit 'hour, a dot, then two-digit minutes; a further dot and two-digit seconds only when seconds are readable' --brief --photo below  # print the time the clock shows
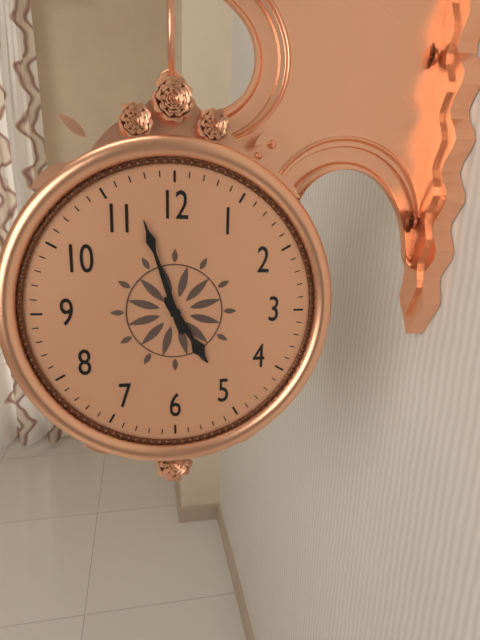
4.57
